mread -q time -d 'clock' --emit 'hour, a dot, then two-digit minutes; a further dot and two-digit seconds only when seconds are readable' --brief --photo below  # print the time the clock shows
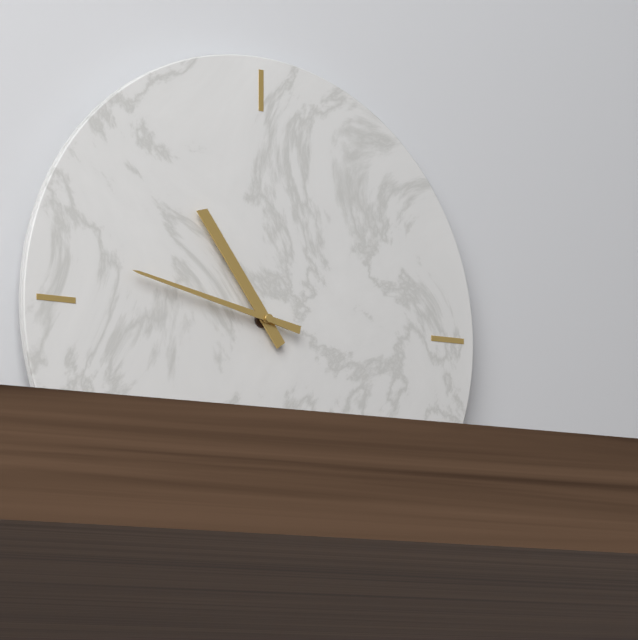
10.47
